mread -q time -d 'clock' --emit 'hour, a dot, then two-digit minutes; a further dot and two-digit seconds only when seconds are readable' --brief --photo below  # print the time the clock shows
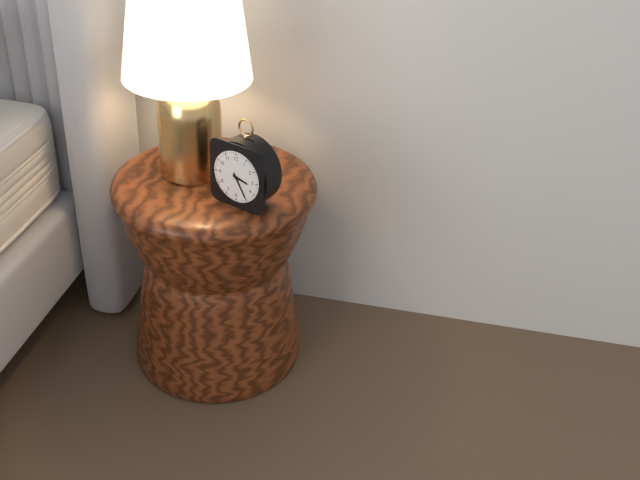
3.25
